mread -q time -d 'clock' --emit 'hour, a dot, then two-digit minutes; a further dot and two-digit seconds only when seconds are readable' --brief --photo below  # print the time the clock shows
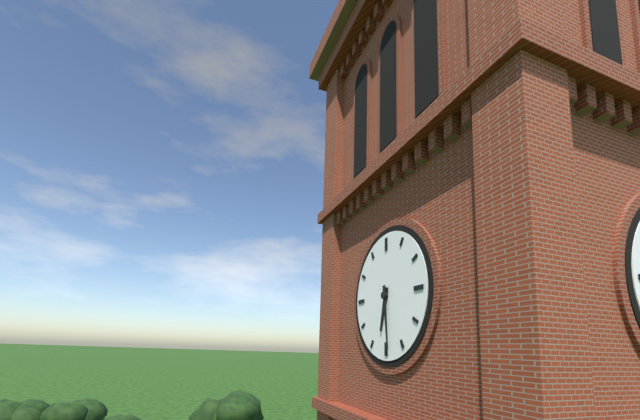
6.29
